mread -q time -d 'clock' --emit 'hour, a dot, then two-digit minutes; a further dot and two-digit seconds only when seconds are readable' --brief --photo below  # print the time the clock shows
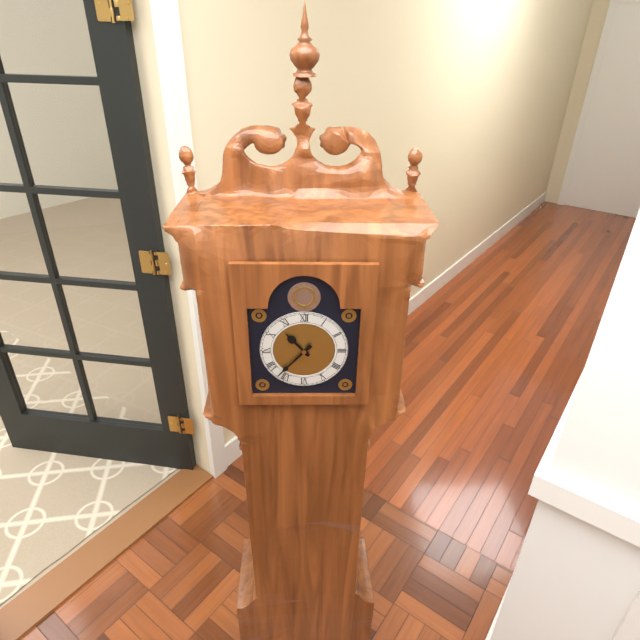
10.37
